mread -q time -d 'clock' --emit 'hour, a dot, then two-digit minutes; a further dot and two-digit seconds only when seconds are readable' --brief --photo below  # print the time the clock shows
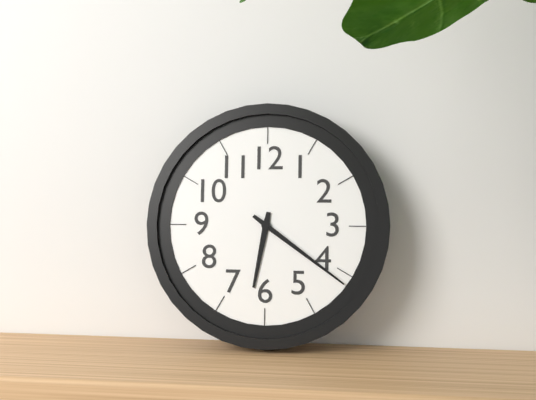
6.21
